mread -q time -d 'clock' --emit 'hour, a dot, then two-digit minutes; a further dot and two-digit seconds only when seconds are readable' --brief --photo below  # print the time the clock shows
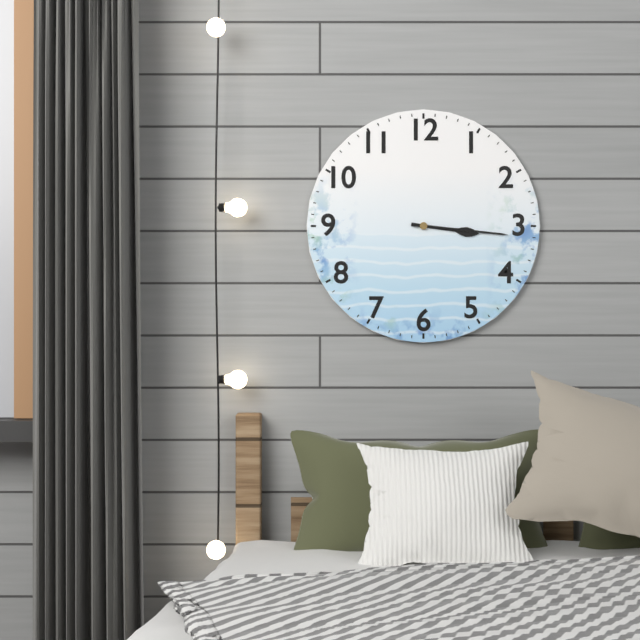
3.16
